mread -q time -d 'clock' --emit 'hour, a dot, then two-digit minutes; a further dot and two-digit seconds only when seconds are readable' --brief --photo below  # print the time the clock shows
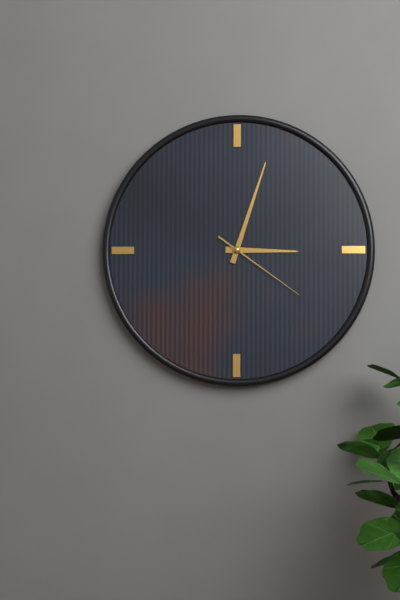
3.03.21
